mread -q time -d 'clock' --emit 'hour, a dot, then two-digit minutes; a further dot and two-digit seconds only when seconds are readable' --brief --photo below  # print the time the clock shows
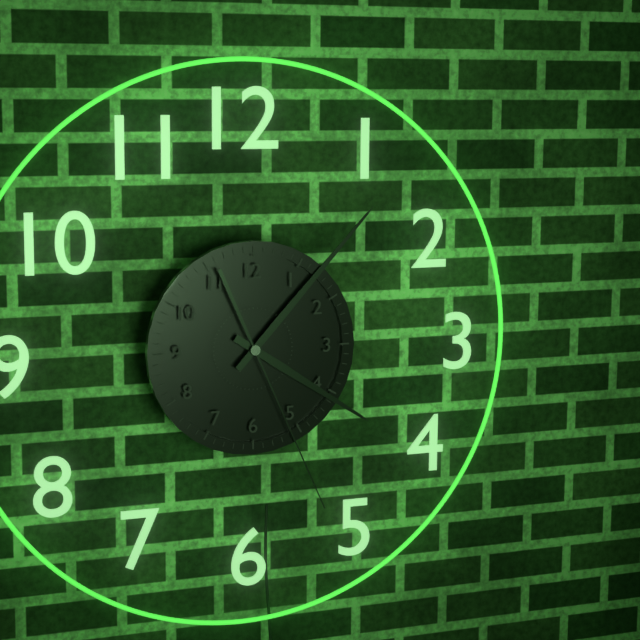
4.07.26
